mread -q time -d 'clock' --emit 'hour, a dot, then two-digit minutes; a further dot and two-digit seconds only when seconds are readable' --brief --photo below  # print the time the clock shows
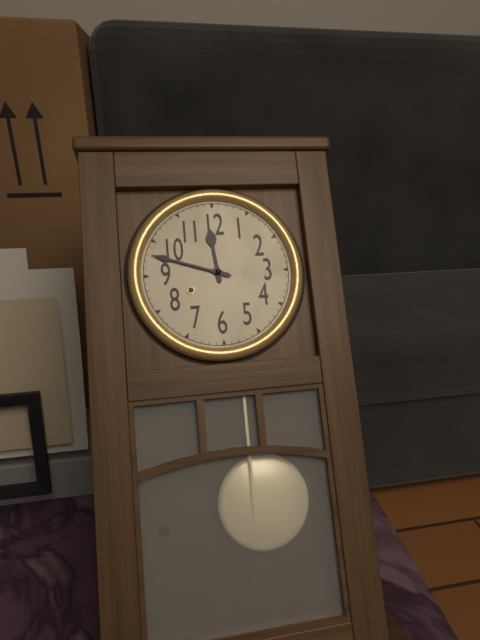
11.48
